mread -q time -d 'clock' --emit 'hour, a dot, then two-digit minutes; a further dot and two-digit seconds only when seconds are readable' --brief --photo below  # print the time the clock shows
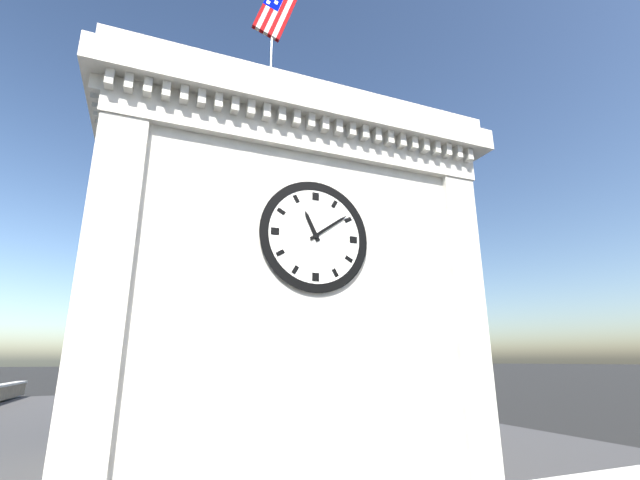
11.09
